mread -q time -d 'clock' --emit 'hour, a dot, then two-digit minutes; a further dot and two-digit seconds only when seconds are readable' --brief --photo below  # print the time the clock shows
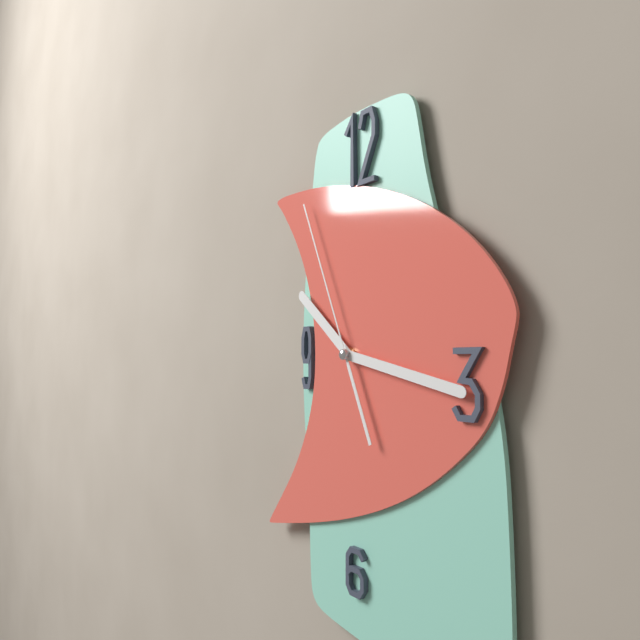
10.17.56
